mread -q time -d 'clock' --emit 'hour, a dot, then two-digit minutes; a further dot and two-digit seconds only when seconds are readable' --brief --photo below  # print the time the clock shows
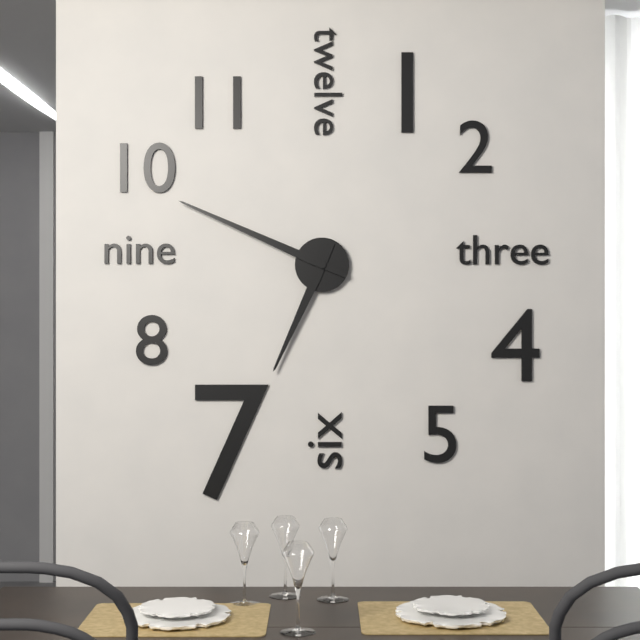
6.49
